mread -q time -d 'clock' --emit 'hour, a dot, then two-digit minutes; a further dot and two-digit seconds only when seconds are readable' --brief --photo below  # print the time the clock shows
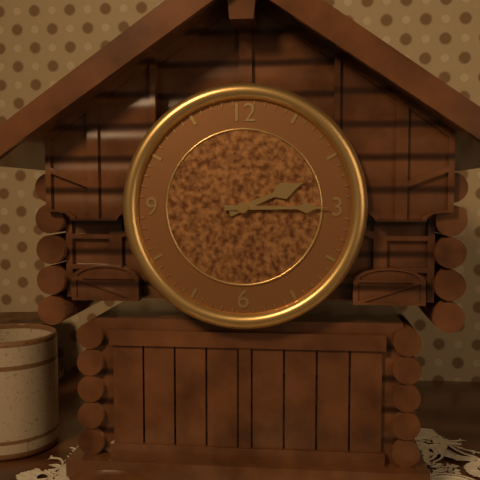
2.15
